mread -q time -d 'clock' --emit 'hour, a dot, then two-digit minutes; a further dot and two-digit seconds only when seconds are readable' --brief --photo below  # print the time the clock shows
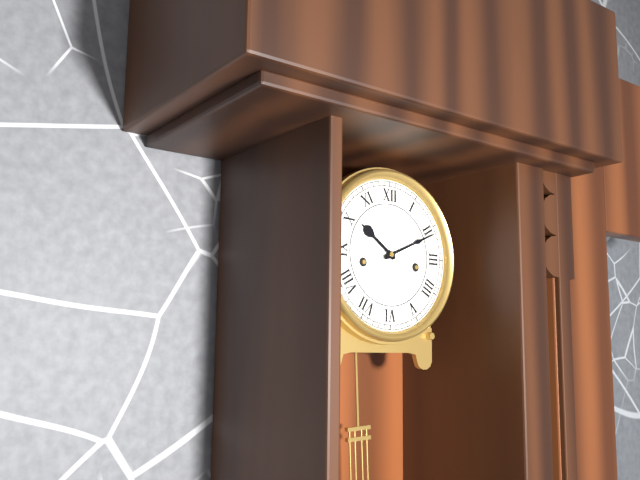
10.11
